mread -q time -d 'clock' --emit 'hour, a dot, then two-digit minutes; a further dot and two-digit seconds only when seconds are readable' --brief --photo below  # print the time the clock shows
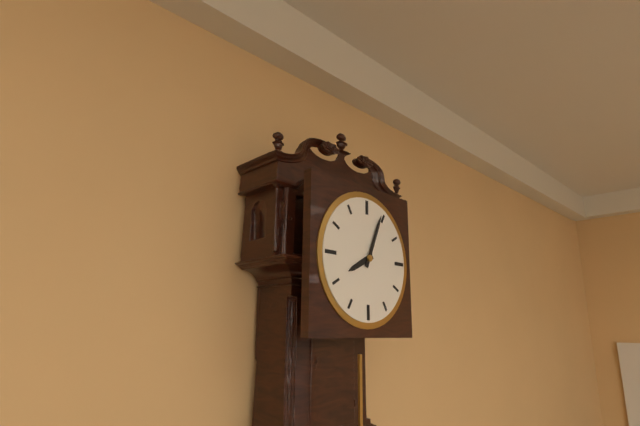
8.04
